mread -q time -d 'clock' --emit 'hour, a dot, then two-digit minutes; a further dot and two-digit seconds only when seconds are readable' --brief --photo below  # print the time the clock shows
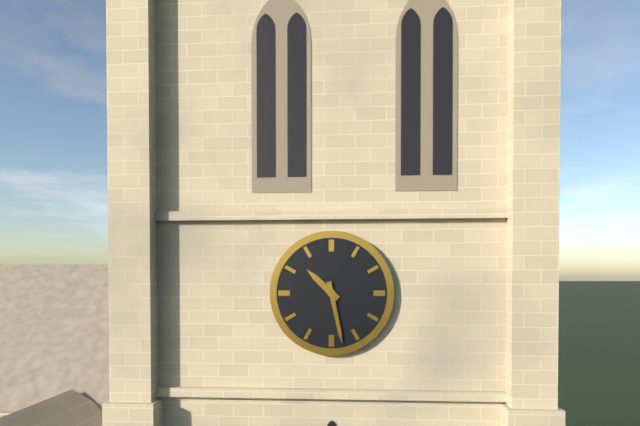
10.28
